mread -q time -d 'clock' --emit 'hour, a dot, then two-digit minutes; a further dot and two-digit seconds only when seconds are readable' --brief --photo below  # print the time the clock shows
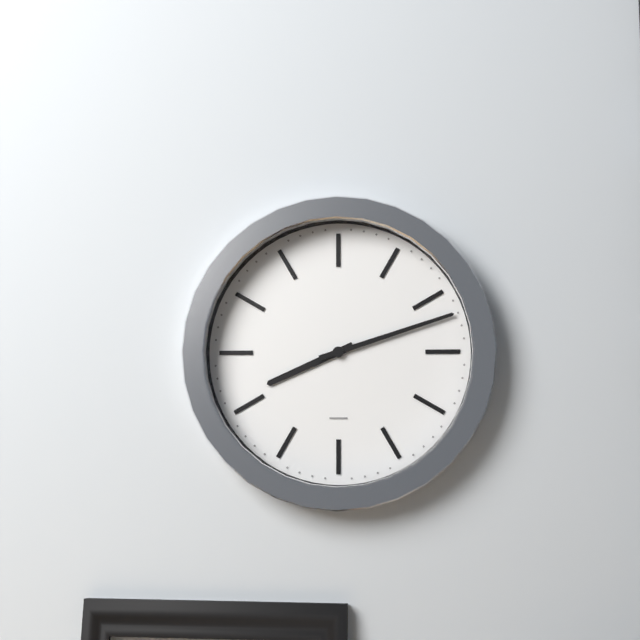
8.12
